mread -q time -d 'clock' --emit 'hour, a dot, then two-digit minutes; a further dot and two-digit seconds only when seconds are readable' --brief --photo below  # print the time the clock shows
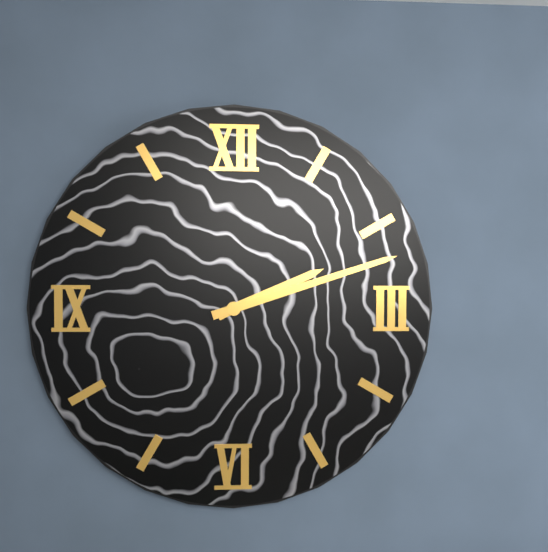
2.12
